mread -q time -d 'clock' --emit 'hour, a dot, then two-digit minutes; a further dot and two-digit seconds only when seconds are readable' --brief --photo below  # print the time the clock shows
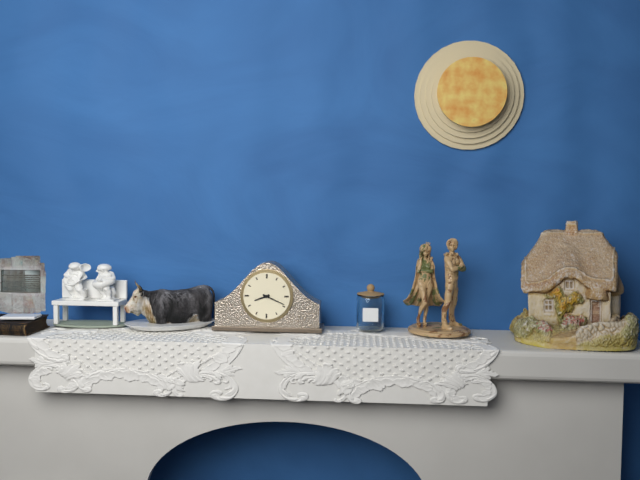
8.19
